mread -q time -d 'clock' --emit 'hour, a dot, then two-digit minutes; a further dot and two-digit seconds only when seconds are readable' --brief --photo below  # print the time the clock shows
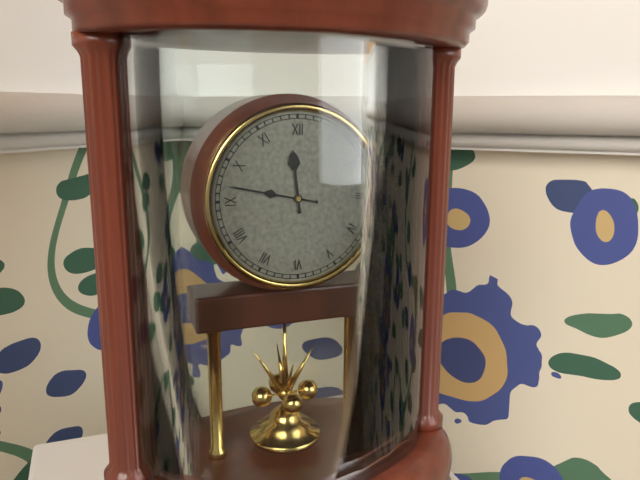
11.47
